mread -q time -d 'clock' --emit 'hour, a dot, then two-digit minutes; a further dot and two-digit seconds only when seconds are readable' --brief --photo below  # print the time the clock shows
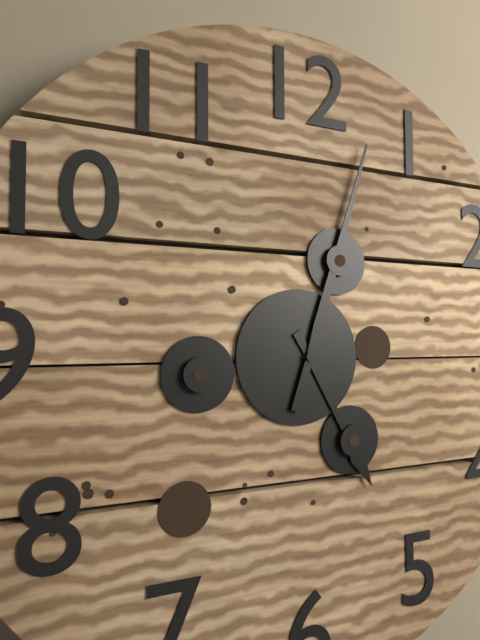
5.03
